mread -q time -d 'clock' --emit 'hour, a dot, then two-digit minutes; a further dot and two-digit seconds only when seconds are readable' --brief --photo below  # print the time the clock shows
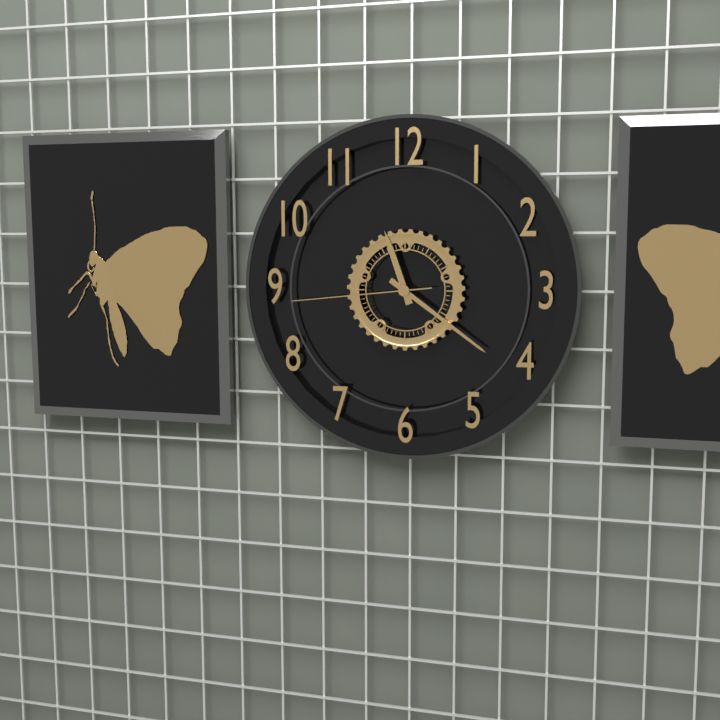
11.21.44
